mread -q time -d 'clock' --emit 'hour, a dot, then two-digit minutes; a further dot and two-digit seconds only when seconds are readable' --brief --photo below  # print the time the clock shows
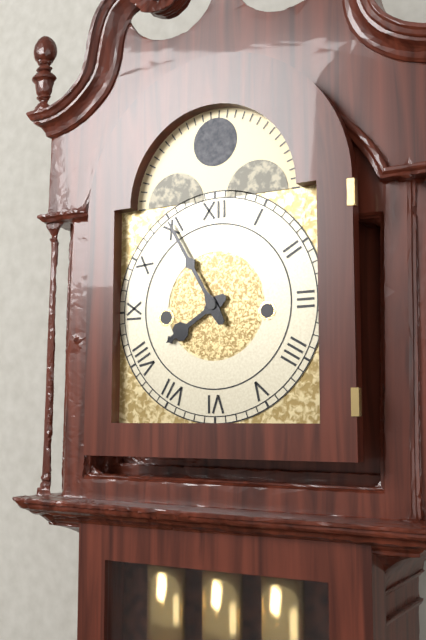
7.55
